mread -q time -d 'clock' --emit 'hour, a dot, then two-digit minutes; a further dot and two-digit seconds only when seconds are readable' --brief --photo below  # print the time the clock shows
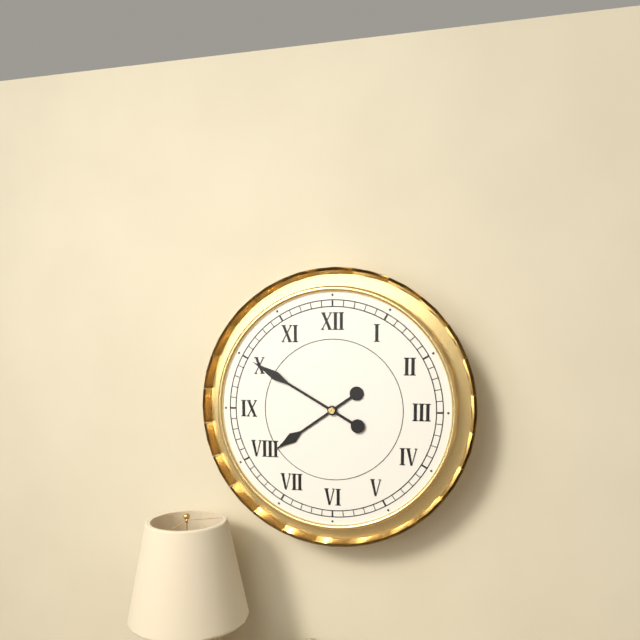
7.50
